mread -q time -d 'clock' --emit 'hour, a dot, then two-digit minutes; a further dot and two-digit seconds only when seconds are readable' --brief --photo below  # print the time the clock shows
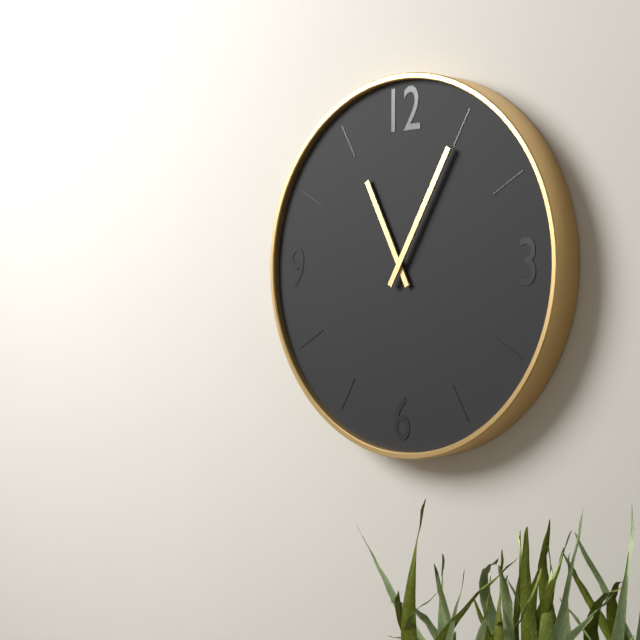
11.05
